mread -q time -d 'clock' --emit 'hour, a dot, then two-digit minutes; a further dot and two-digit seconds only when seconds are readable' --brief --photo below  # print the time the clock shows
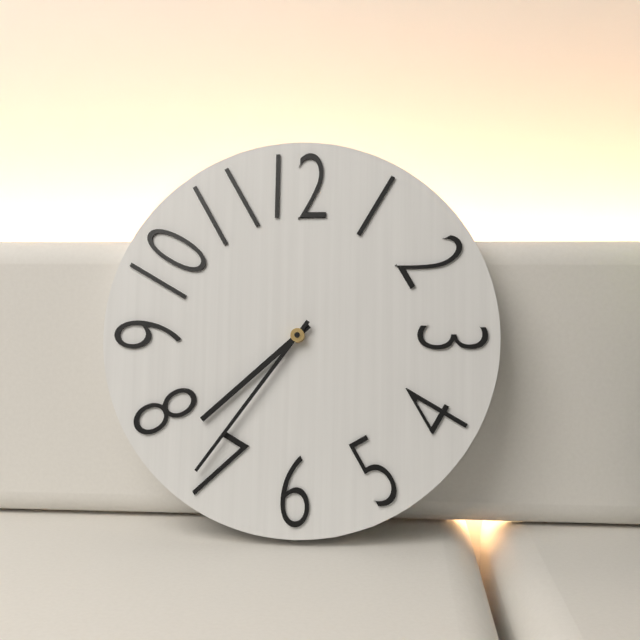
7.36
